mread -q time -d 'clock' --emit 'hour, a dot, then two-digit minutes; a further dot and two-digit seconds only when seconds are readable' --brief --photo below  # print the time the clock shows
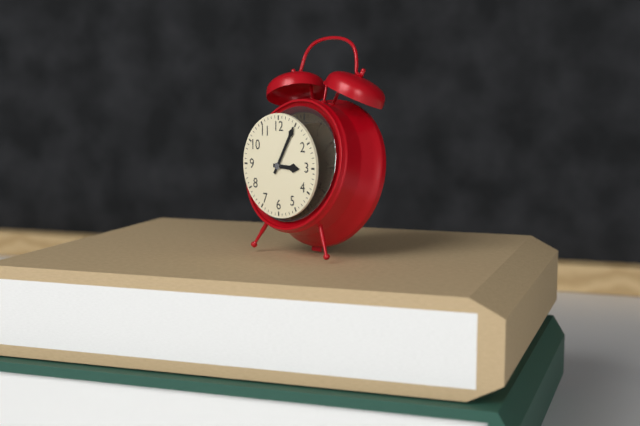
3.05
